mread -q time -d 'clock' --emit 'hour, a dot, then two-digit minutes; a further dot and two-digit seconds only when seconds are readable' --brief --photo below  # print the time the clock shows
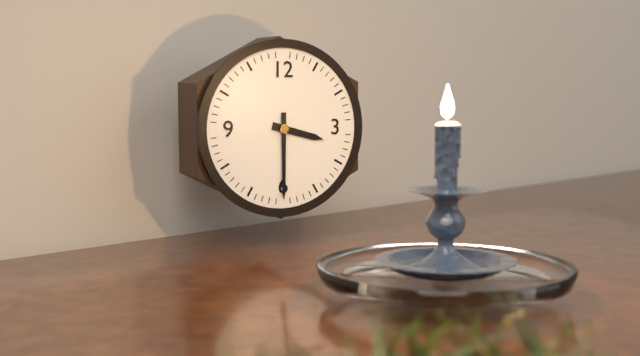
3.30
